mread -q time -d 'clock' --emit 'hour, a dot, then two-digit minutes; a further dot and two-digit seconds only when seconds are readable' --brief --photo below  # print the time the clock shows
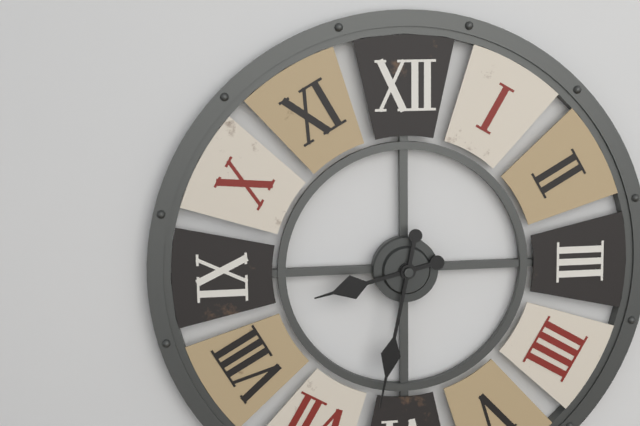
8.32
